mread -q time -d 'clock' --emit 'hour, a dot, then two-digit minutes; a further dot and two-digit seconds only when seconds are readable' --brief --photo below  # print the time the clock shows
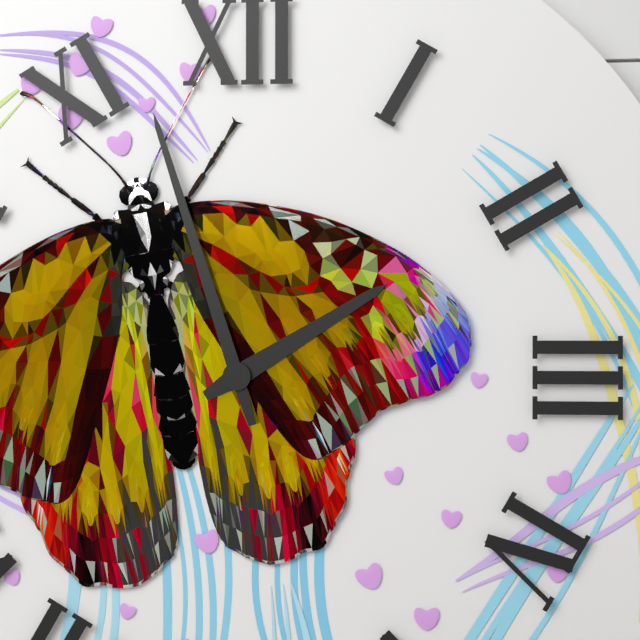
1.57
